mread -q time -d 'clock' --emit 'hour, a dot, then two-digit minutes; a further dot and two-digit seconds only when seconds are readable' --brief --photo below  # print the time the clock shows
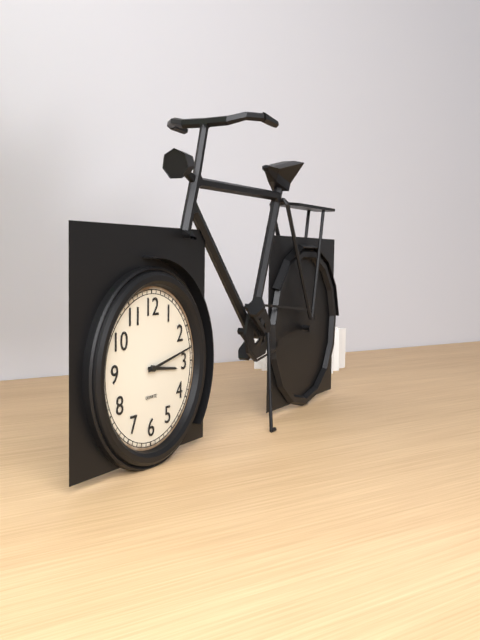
3.13
